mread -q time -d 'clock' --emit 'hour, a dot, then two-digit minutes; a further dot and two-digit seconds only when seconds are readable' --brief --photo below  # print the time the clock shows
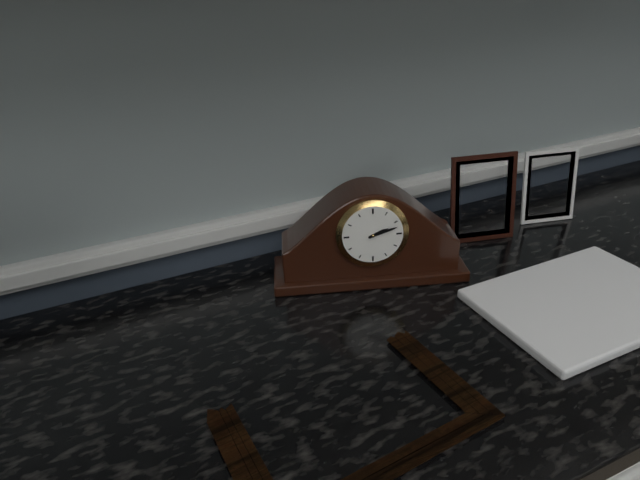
2.12
